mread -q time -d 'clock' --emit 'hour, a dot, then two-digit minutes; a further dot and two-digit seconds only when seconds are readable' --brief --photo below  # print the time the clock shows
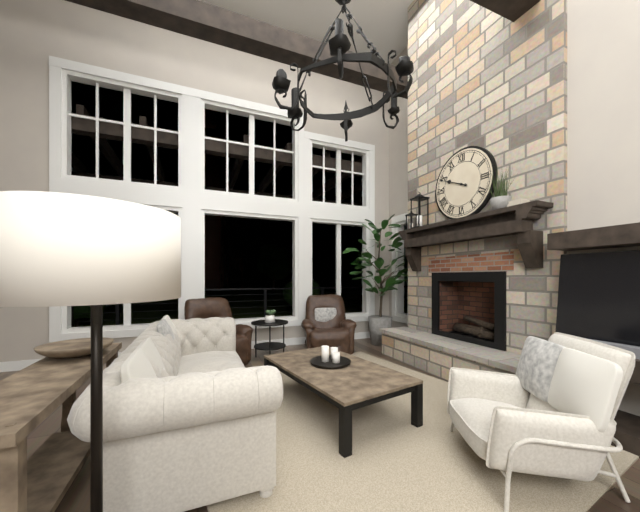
9.49
